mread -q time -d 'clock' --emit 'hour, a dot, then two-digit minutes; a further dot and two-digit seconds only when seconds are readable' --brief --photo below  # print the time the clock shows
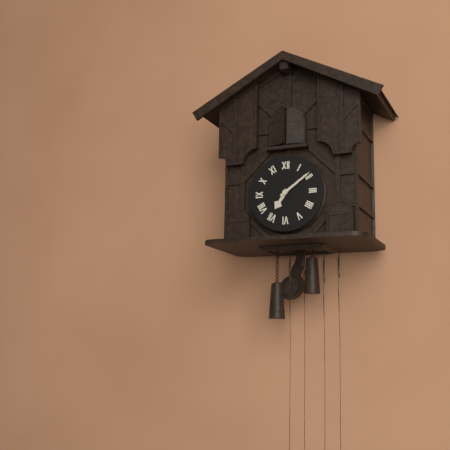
7.09
